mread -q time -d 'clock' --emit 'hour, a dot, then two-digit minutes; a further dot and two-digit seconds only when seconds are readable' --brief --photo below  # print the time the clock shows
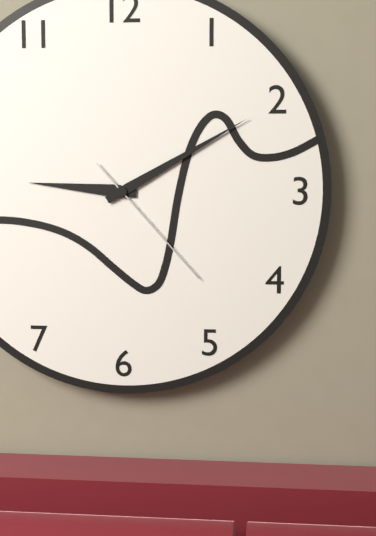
9.10.23
